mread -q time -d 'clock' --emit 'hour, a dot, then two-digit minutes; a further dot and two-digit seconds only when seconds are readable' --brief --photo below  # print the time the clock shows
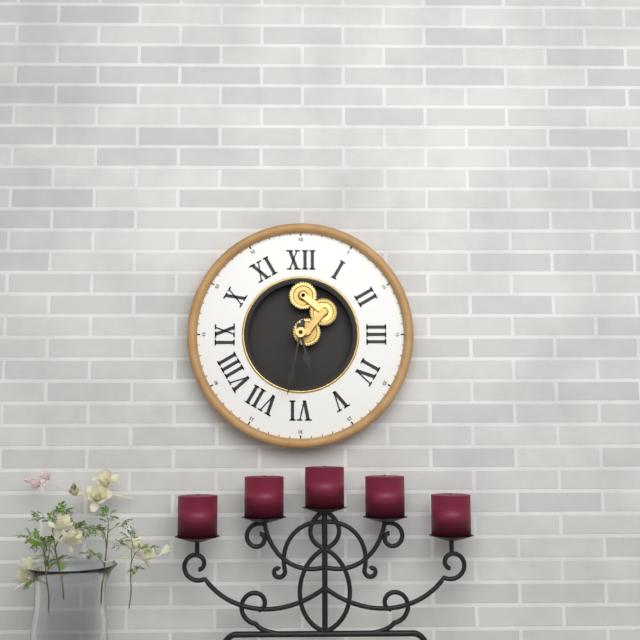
5.32
